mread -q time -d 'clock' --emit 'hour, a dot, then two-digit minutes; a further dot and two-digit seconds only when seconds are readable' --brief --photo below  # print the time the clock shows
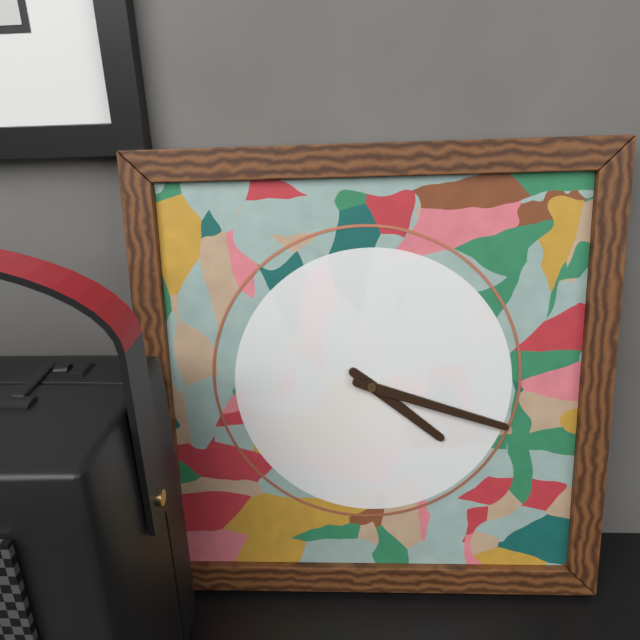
4.18
